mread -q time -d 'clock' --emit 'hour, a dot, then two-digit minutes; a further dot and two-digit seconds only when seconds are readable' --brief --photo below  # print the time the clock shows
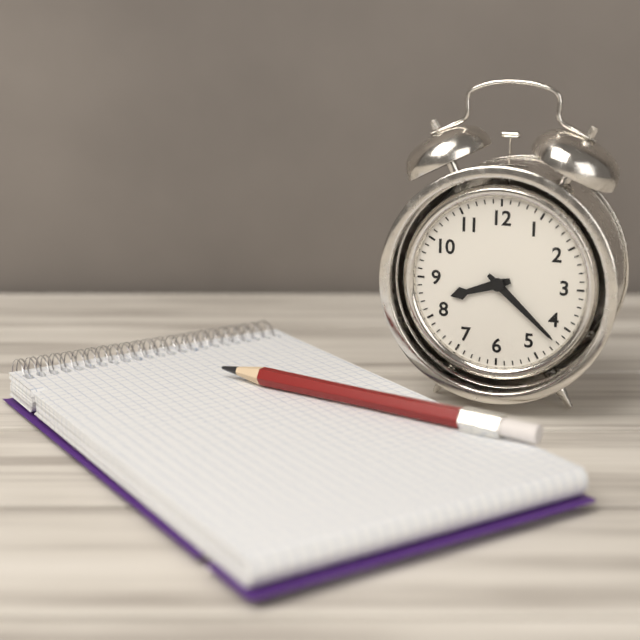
8.22
